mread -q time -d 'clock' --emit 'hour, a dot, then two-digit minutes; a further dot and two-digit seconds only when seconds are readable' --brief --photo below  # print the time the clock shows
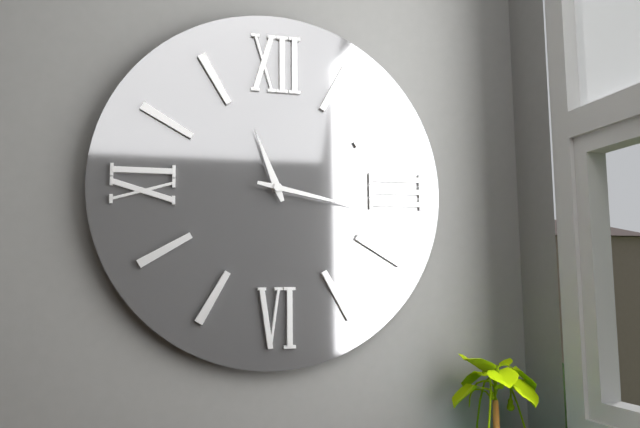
11.17
